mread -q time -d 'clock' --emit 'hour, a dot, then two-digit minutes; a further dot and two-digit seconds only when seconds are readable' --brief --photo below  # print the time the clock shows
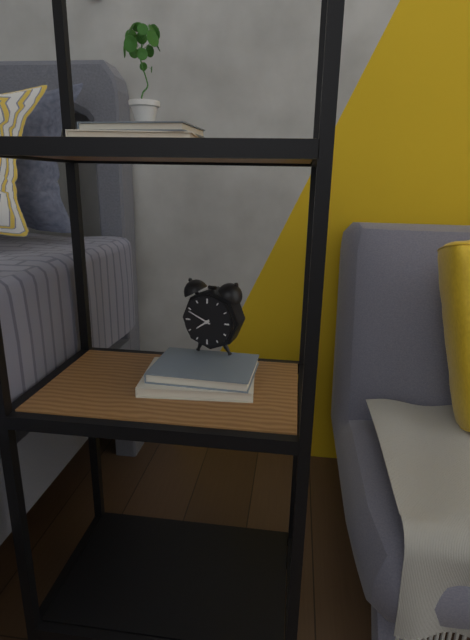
7.49
